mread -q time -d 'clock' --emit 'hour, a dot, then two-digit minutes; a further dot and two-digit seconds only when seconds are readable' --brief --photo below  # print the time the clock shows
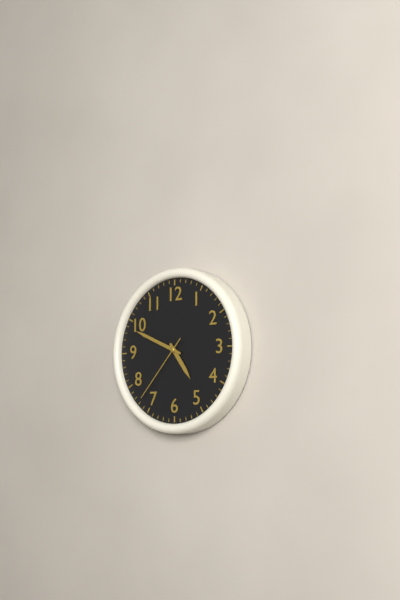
4.49.37
